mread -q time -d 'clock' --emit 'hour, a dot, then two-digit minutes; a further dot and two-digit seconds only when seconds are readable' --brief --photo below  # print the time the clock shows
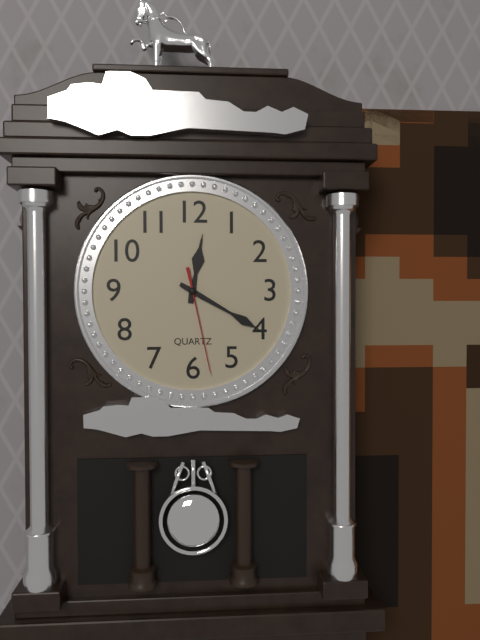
12.20.28
